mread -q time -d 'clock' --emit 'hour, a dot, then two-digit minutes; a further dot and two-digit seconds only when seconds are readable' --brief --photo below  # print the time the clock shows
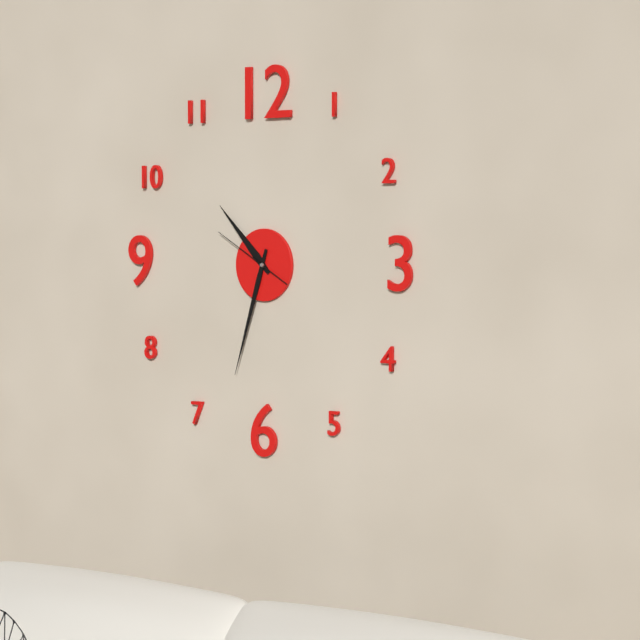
10.33.50
